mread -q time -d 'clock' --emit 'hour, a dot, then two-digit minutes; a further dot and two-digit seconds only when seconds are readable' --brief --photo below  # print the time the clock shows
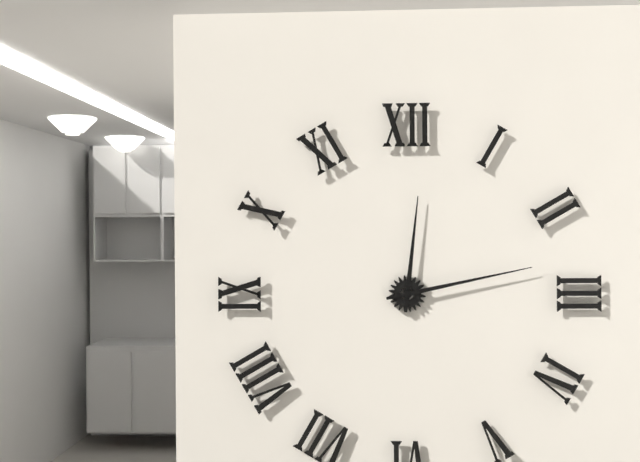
12.13
